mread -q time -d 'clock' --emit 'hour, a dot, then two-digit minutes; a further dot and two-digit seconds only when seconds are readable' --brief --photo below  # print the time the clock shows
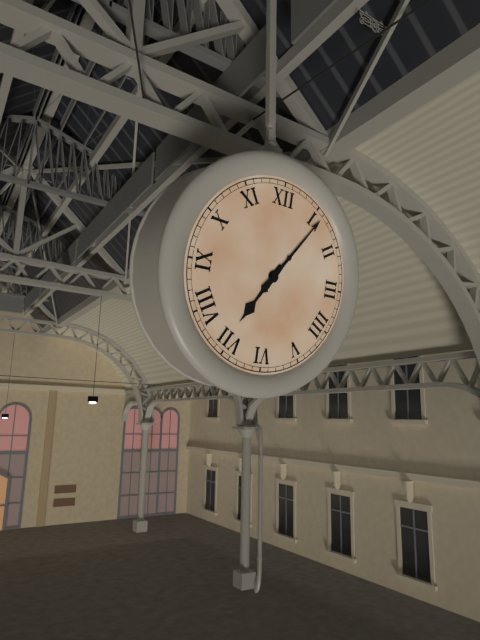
7.06
